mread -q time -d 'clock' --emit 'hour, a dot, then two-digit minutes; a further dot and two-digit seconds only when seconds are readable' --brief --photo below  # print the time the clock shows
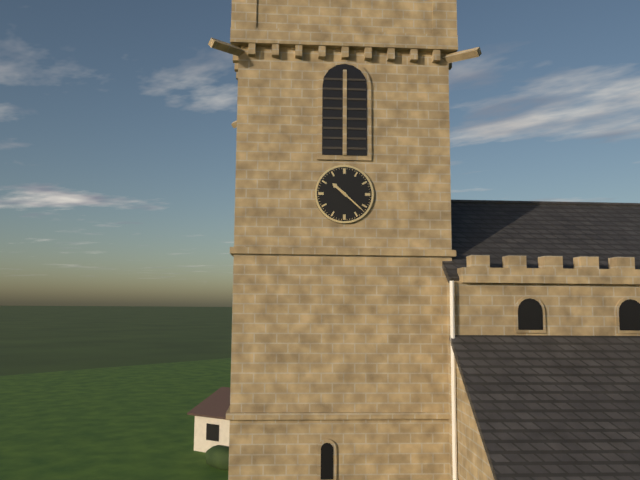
10.22
